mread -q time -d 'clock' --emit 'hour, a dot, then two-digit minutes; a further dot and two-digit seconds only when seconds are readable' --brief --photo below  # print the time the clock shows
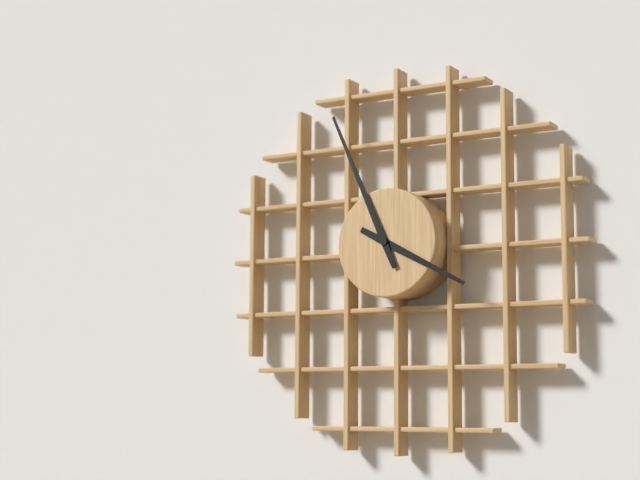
3.56
